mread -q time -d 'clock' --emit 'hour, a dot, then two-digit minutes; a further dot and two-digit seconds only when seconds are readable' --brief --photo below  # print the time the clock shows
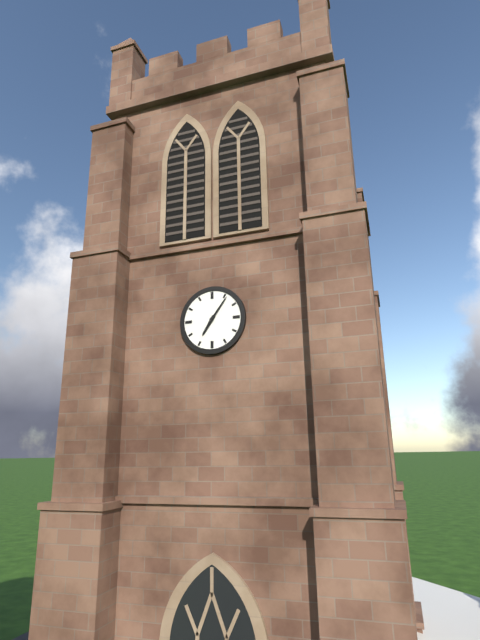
7.06
